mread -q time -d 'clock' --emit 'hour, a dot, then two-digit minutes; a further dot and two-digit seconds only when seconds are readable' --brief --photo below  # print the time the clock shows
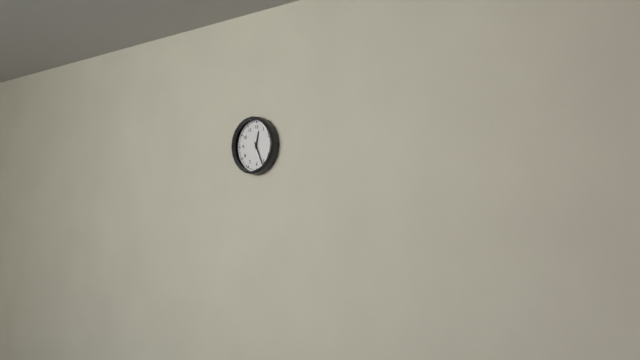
12.26
